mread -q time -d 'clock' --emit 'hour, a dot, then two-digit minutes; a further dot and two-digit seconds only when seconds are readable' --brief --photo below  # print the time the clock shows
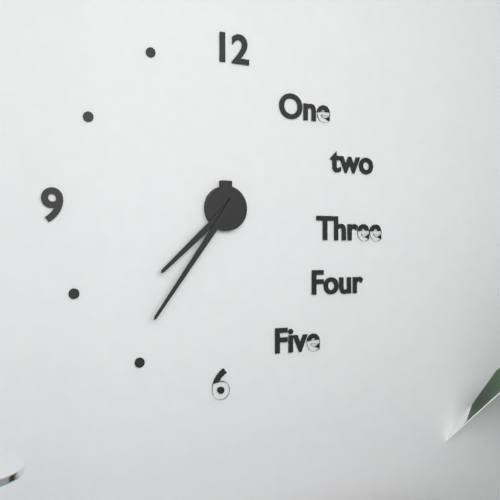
7.36
